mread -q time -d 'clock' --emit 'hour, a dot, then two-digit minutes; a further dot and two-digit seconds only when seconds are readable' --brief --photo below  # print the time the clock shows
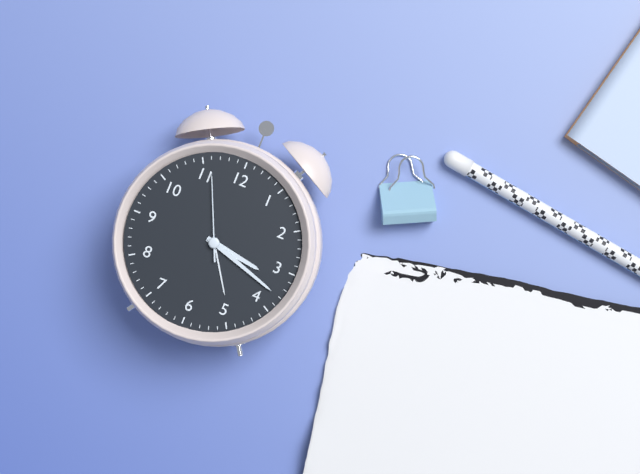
3.18.56
